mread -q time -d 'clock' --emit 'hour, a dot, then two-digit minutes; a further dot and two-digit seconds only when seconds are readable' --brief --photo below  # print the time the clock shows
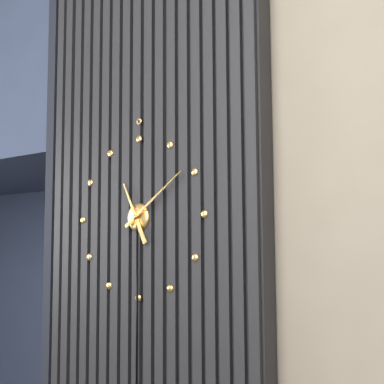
11.09
